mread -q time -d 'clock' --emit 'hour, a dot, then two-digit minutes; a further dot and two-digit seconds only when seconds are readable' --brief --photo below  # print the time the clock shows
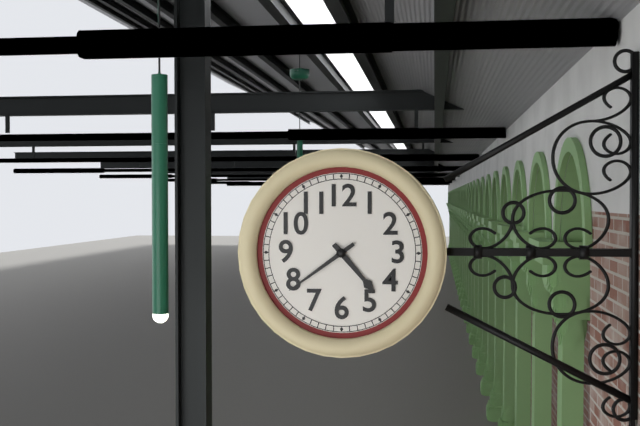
4.39
